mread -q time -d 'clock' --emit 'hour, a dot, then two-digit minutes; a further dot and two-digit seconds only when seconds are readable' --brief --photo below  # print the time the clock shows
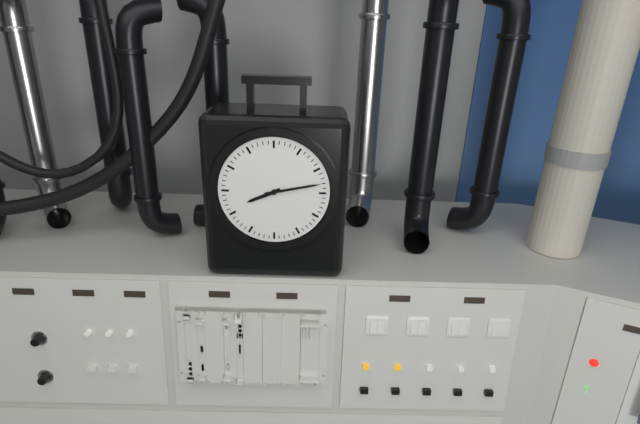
8.13
